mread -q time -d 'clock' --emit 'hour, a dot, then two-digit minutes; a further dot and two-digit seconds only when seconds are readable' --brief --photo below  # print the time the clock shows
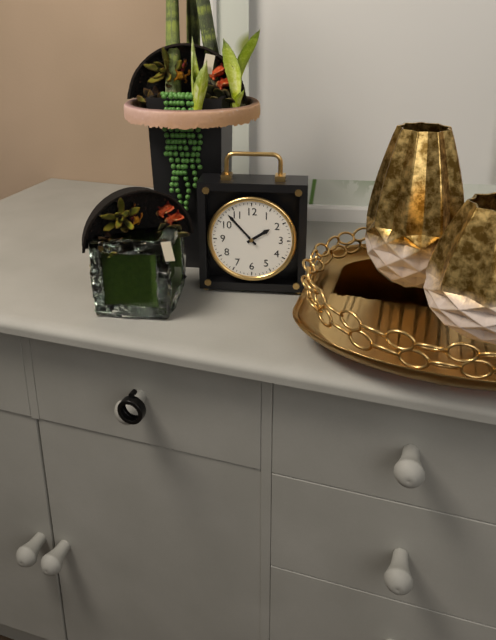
1.53
